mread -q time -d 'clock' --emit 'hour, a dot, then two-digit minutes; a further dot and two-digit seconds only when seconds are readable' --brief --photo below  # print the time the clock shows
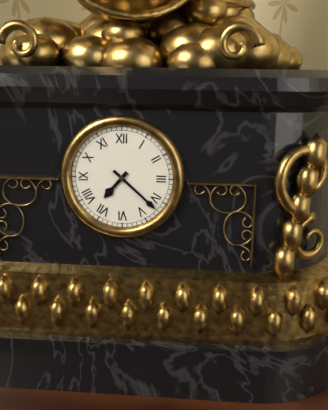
7.22
